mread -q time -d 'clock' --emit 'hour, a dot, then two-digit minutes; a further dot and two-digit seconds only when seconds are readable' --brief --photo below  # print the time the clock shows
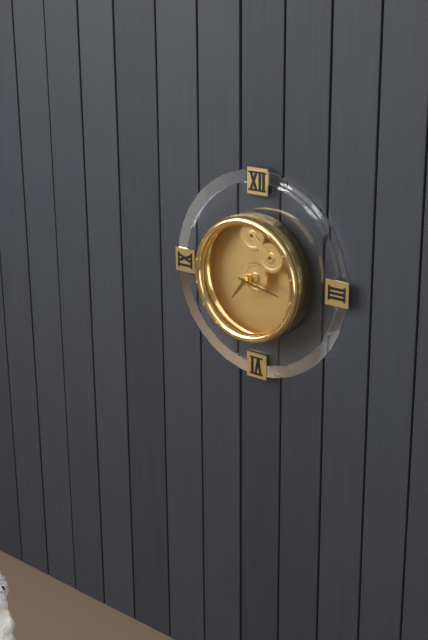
7.17
